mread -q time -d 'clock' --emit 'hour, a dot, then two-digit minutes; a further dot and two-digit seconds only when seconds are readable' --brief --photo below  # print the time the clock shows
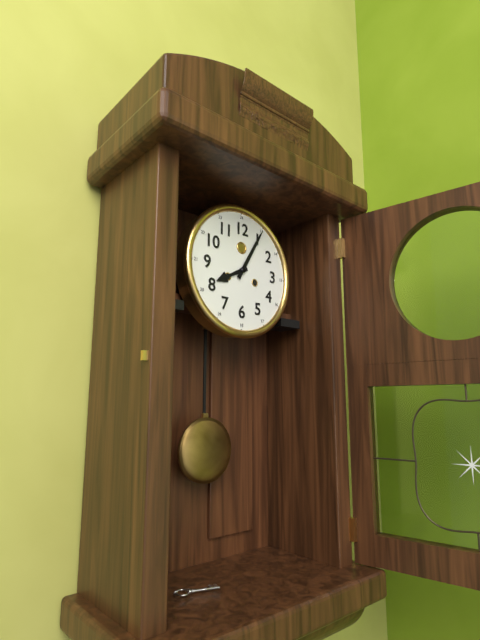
8.05
